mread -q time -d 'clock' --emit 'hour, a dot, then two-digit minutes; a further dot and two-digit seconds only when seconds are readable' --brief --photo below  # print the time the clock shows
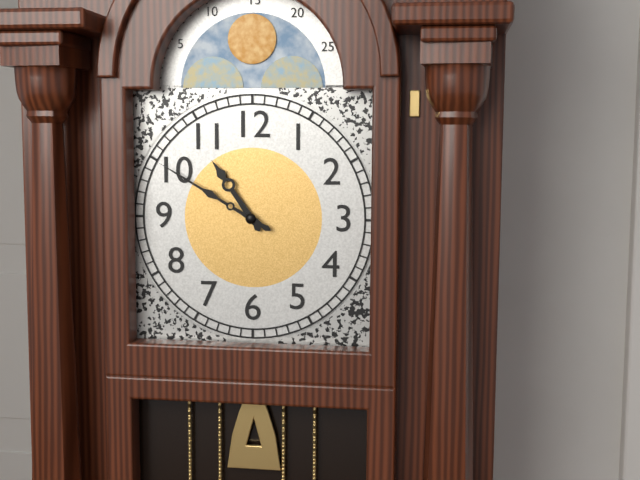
10.50
